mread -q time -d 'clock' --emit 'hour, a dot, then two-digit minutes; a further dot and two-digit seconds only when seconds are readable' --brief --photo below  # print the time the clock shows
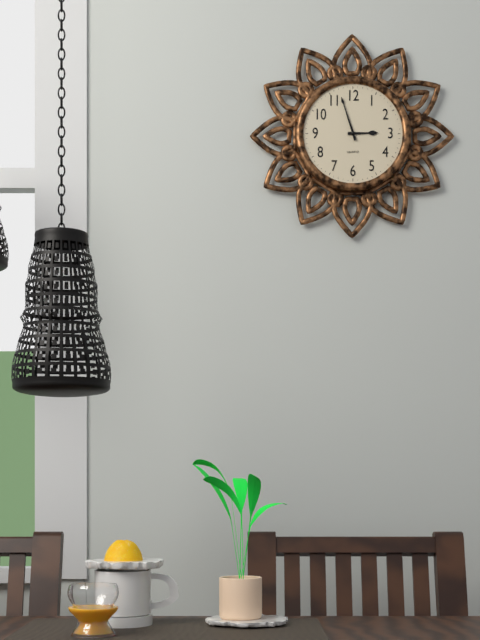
2.57
